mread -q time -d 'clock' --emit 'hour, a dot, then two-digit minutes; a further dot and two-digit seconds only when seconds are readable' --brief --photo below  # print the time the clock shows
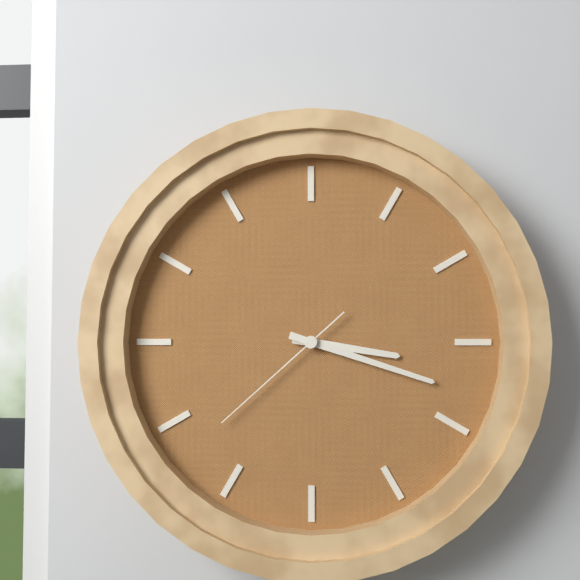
3.18.38
